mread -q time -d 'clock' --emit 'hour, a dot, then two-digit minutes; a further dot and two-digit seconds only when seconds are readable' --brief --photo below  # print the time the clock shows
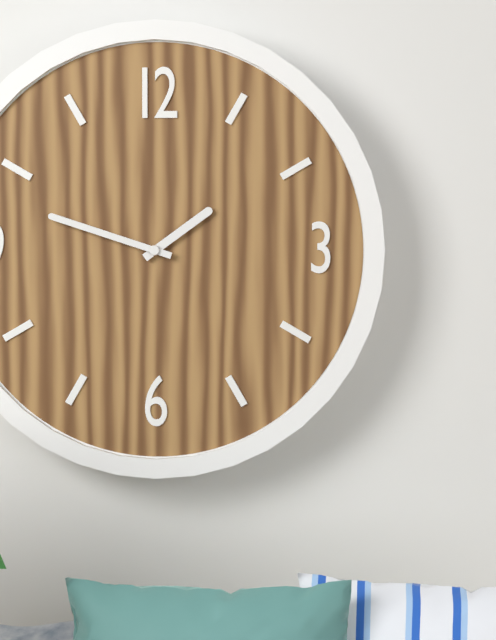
1.48
